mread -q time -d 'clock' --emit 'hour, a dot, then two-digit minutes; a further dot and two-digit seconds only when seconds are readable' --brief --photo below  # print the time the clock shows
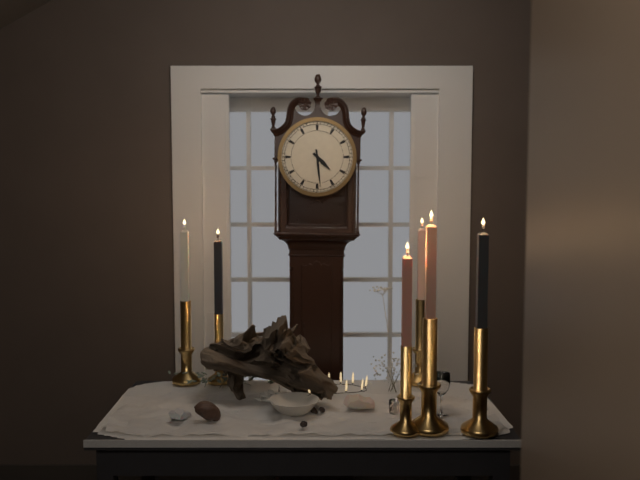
4.29
